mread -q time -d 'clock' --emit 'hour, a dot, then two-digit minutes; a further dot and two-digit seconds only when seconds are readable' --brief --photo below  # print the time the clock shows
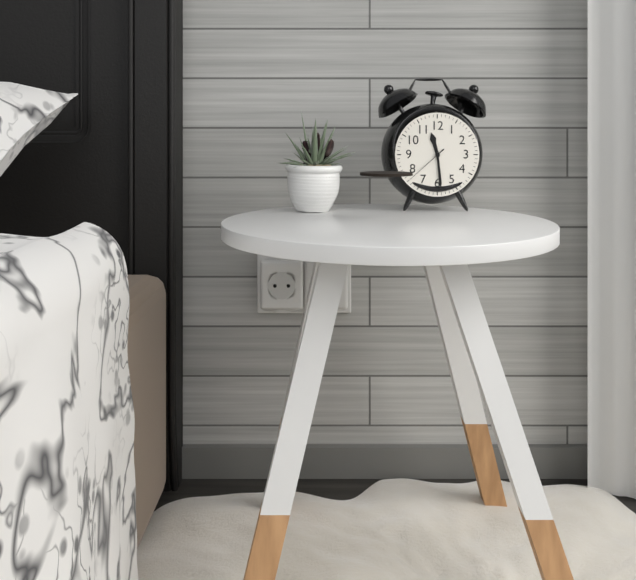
11.29
